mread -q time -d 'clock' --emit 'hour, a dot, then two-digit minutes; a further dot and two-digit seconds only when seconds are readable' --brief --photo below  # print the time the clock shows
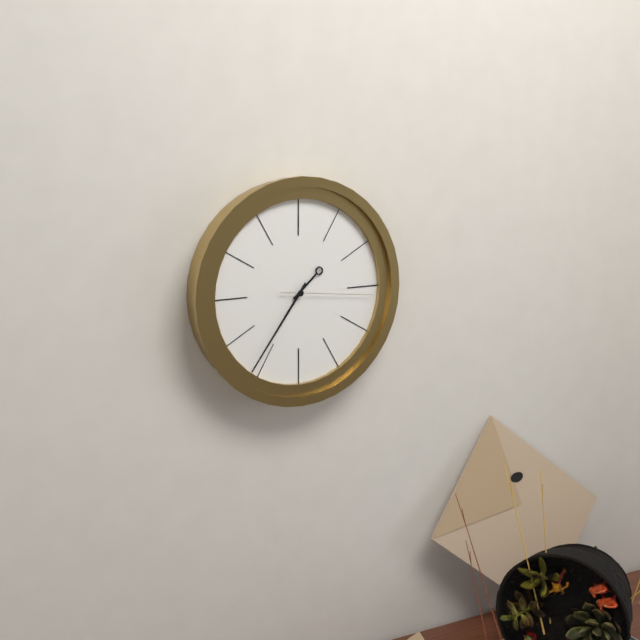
1.36.16
